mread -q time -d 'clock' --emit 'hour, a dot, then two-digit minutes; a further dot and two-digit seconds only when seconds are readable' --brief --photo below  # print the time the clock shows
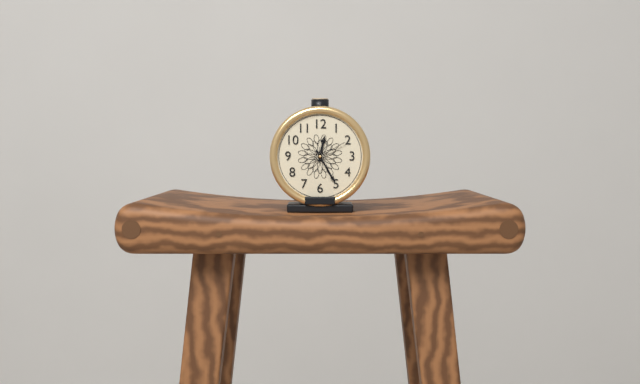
12.25
